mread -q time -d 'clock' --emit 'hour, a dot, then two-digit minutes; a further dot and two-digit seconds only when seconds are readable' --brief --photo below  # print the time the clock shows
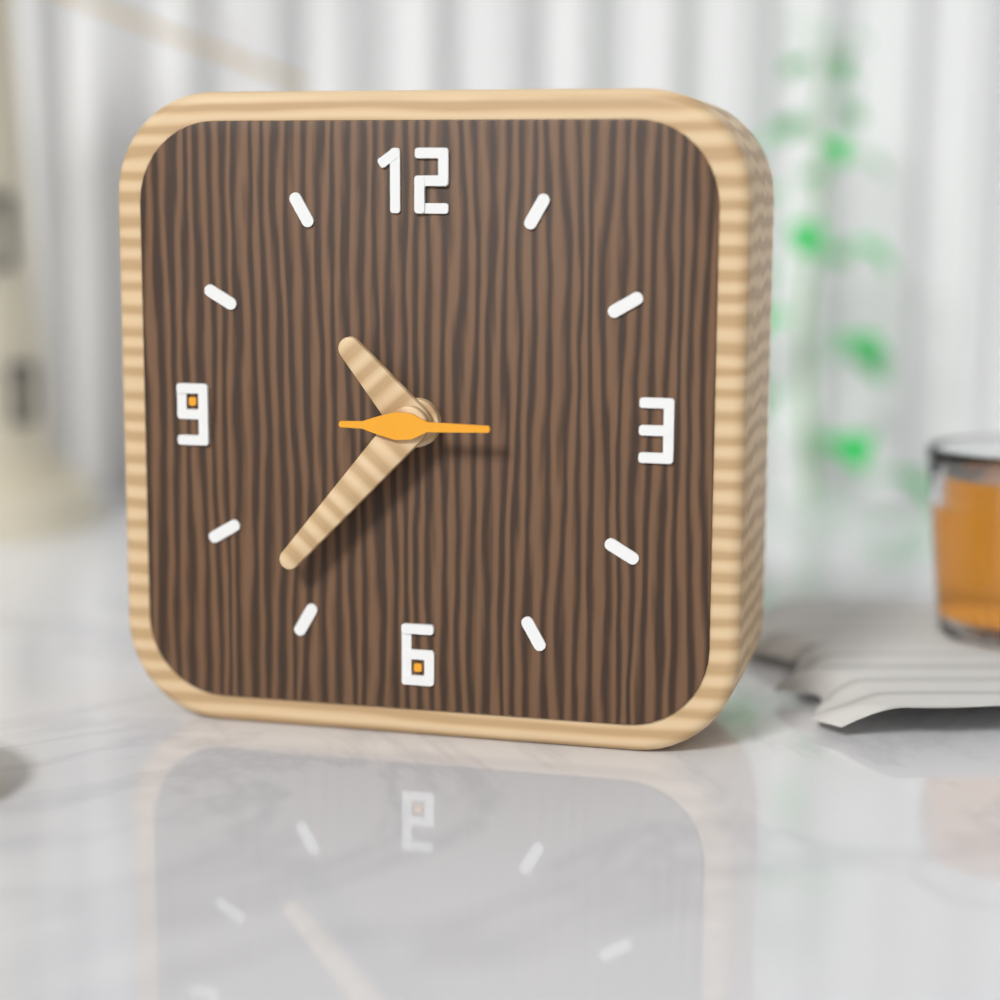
10.37.15
